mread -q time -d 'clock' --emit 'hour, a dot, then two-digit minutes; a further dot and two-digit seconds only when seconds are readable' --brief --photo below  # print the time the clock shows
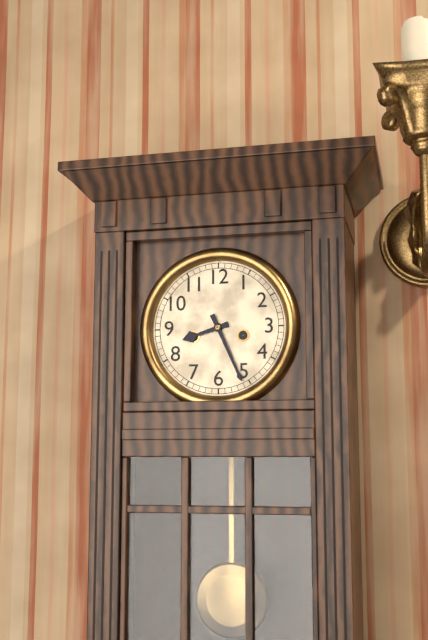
8.26
